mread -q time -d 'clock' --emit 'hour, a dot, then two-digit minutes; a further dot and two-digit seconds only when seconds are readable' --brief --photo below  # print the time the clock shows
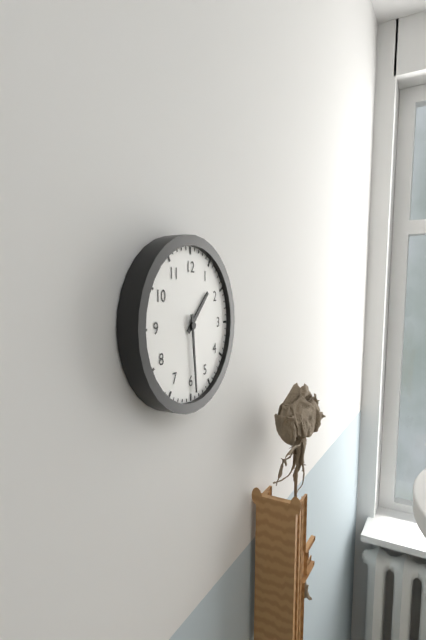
1.29
